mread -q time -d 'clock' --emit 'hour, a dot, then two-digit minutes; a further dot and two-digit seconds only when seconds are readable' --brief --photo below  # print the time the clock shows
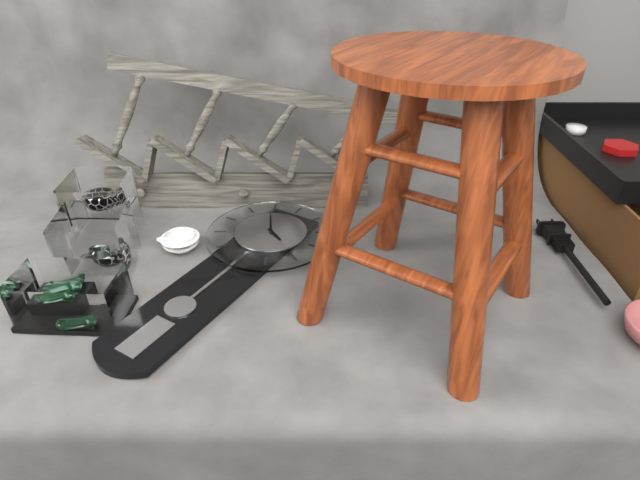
3.54
